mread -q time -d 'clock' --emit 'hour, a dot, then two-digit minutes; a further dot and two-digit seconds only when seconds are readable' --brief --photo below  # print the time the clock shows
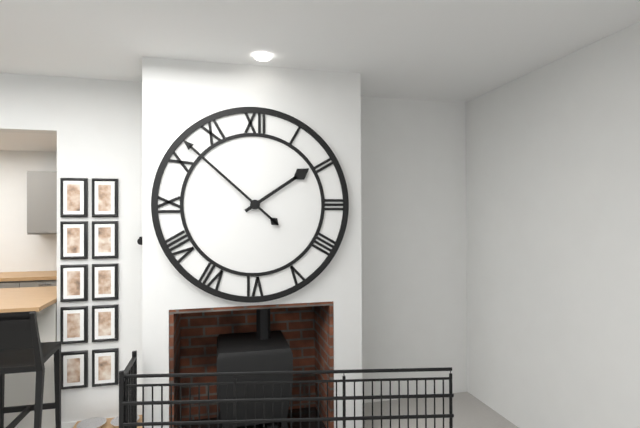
1.52
